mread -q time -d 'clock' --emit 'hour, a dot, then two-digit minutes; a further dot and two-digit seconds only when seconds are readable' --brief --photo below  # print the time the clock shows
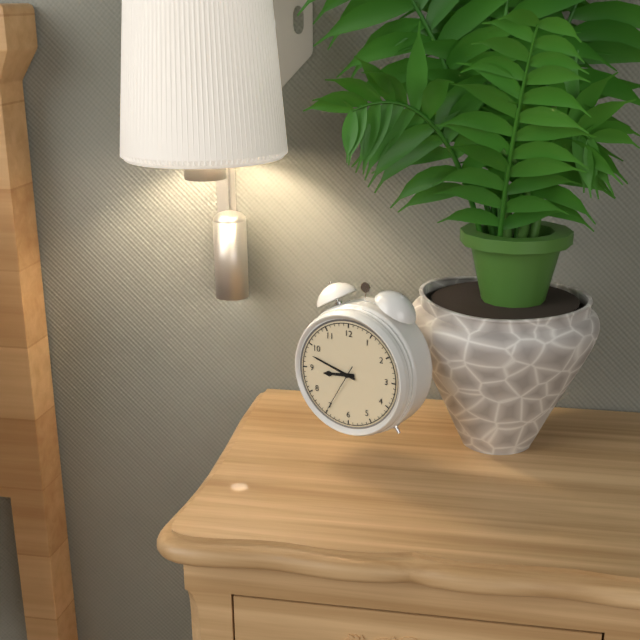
8.48
